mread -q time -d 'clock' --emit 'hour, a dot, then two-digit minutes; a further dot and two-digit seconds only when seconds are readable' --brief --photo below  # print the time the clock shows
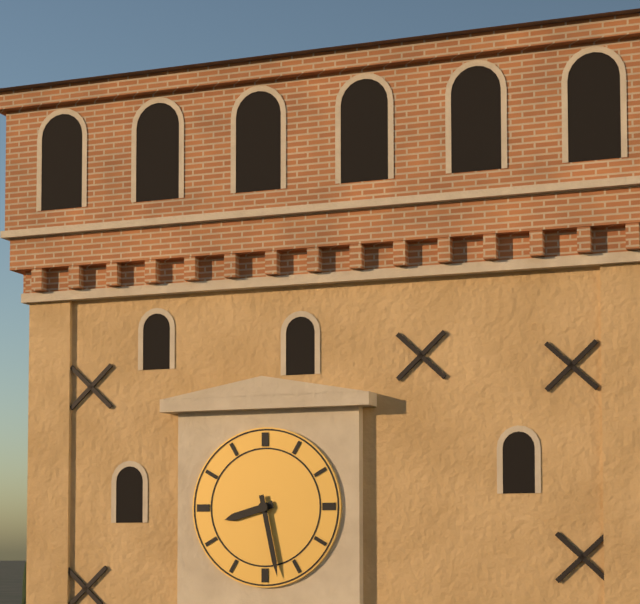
8.28
